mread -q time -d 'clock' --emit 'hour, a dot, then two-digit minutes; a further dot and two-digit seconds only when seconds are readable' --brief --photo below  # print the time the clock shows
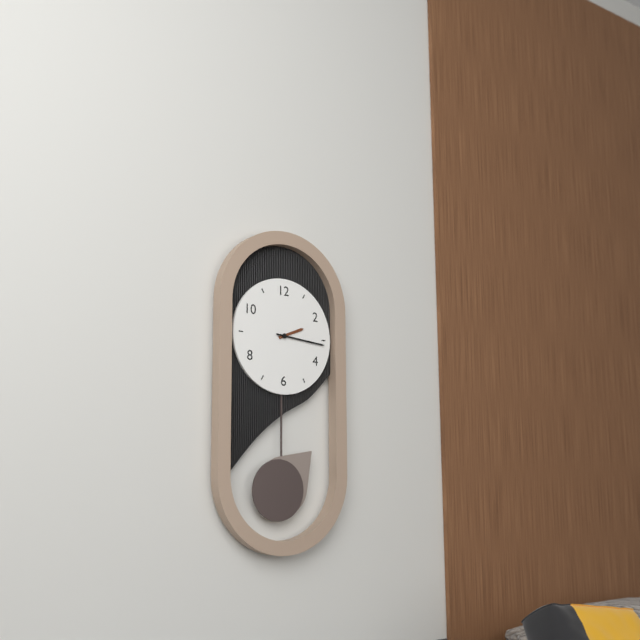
2.16
